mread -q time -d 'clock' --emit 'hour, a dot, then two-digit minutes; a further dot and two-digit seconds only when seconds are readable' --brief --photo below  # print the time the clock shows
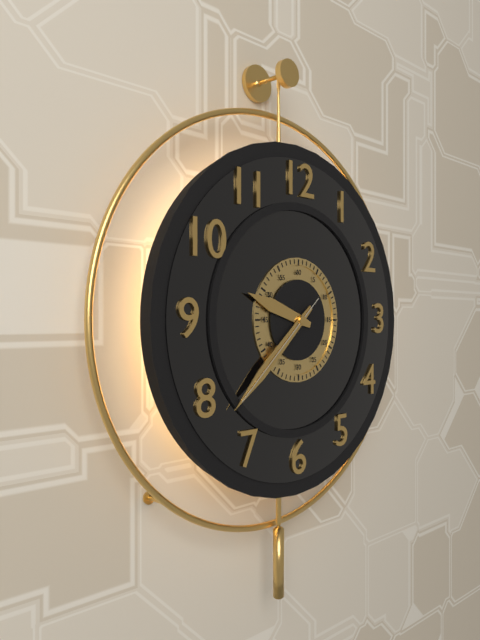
9.38.38
